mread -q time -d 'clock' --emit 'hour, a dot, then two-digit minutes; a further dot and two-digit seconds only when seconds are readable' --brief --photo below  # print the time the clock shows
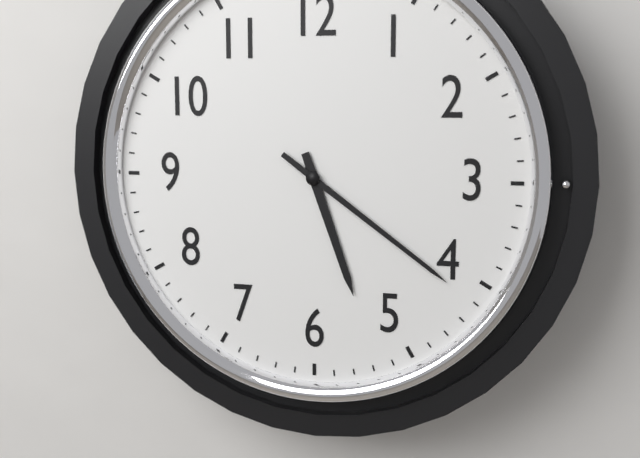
5.21
